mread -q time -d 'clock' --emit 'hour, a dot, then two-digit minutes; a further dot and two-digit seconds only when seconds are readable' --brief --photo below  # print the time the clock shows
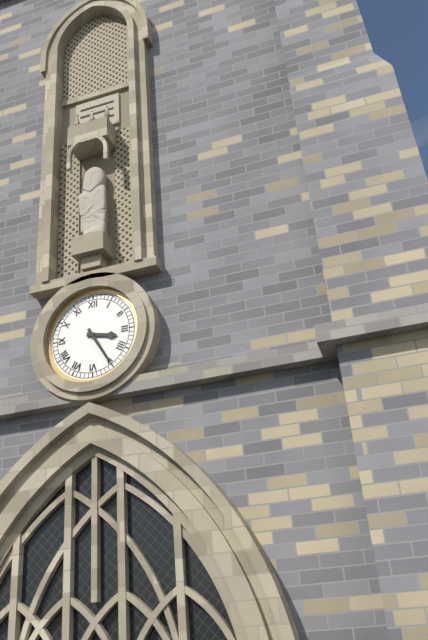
3.25
